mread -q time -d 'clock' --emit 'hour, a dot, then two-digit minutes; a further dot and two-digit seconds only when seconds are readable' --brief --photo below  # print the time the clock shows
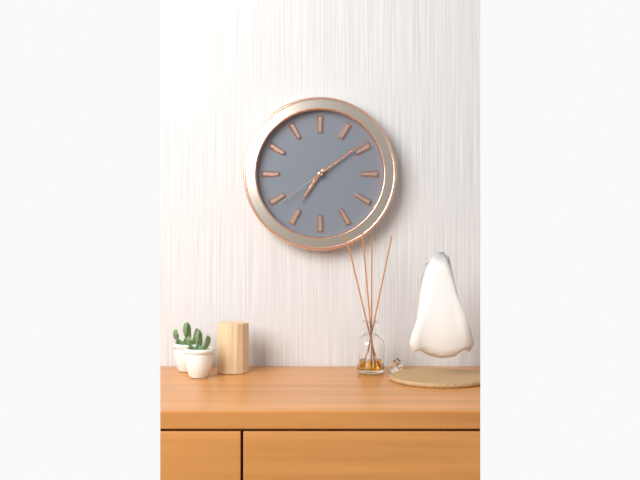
7.09.39
